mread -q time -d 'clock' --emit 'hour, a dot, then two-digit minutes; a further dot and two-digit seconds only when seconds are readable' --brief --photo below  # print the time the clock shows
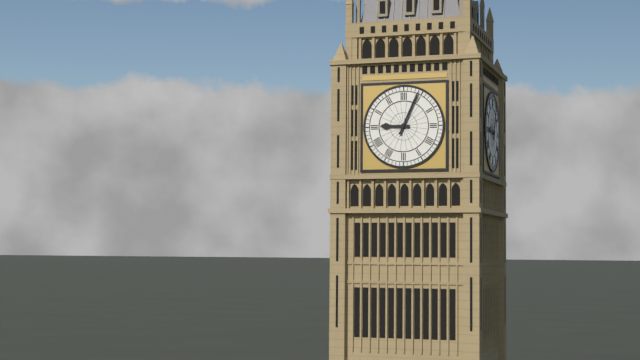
9.04
